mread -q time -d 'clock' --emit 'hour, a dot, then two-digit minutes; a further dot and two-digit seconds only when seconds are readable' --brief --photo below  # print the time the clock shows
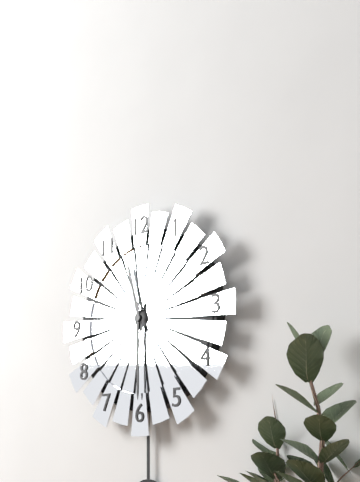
11.30
